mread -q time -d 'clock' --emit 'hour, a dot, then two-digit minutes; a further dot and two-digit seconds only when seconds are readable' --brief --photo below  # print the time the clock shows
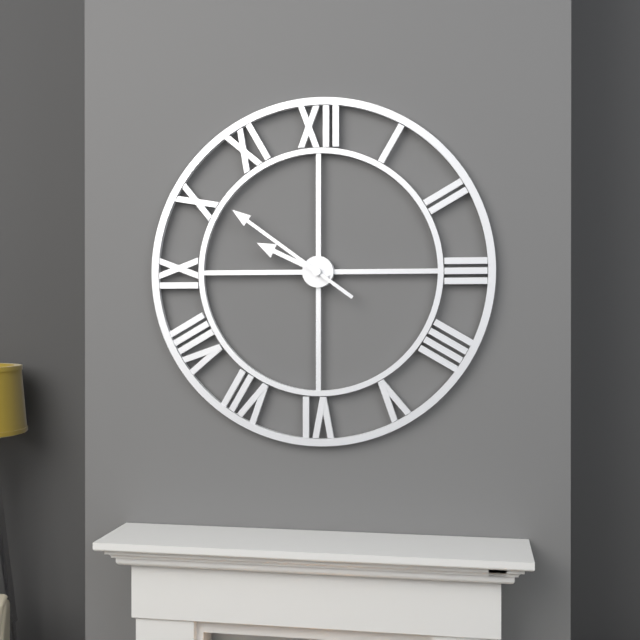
9.51
